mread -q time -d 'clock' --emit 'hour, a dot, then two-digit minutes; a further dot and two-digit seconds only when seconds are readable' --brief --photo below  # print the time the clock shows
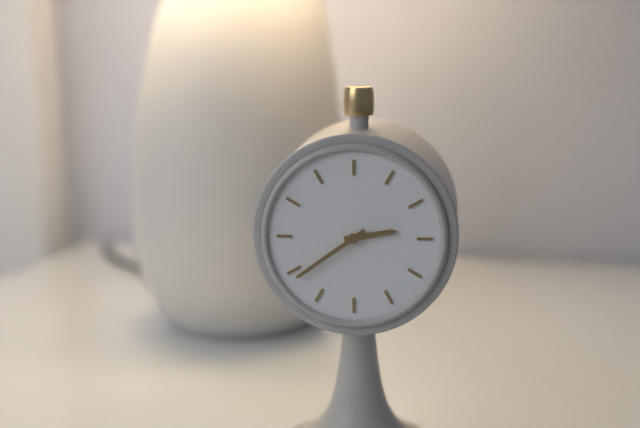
2.39
